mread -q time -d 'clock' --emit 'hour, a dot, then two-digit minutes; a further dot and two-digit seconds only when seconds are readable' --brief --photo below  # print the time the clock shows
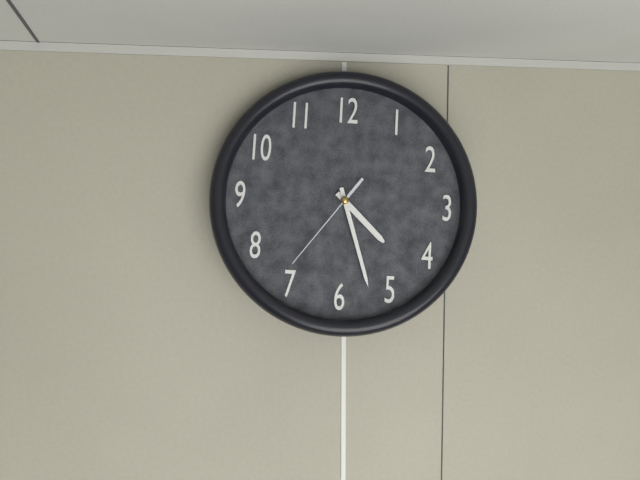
4.27.36
